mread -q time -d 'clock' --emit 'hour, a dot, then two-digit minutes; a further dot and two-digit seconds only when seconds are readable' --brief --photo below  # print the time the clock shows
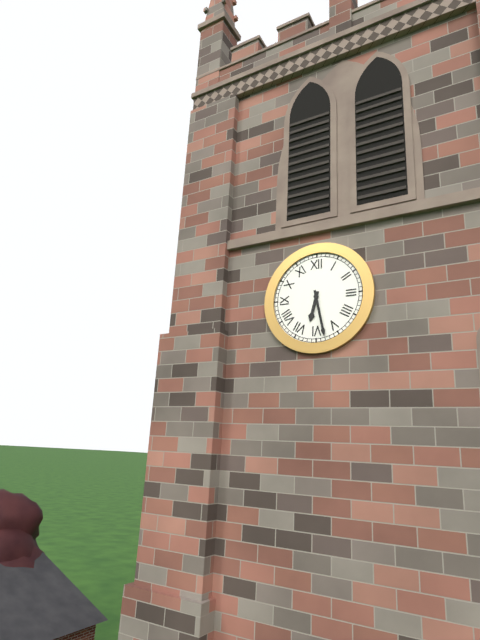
6.28
